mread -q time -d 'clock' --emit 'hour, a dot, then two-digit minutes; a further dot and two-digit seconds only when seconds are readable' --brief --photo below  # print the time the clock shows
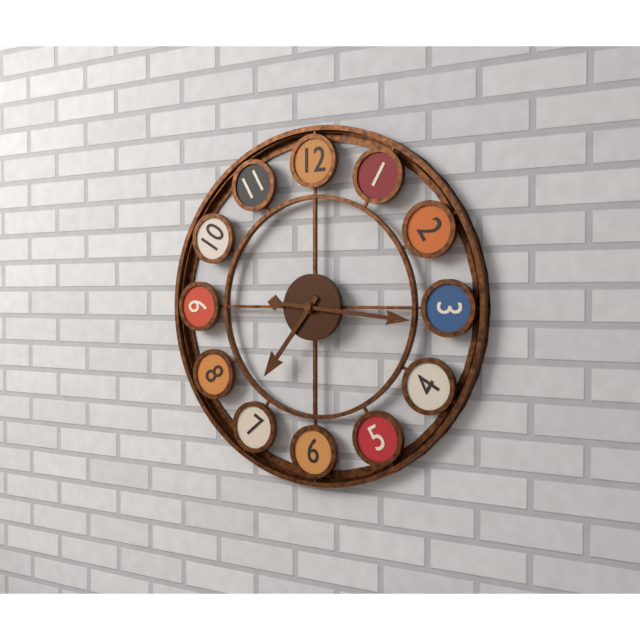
7.16
